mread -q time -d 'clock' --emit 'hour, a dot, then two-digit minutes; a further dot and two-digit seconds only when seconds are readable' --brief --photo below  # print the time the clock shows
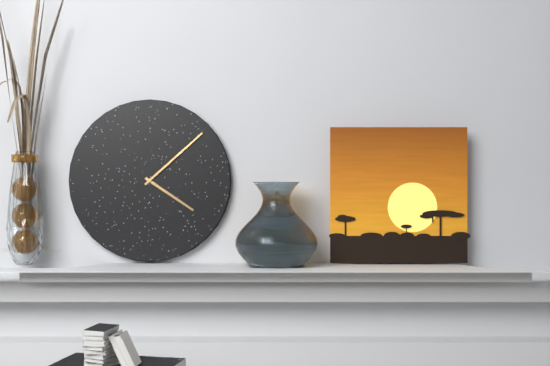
4.08
